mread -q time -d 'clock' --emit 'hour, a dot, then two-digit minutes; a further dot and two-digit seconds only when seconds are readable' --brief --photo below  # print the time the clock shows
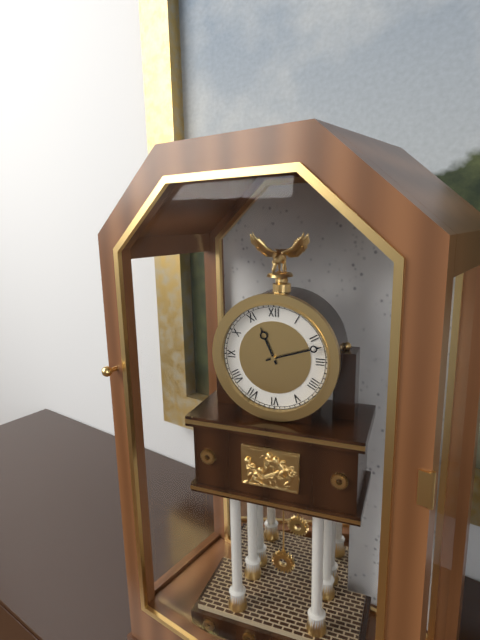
11.12
